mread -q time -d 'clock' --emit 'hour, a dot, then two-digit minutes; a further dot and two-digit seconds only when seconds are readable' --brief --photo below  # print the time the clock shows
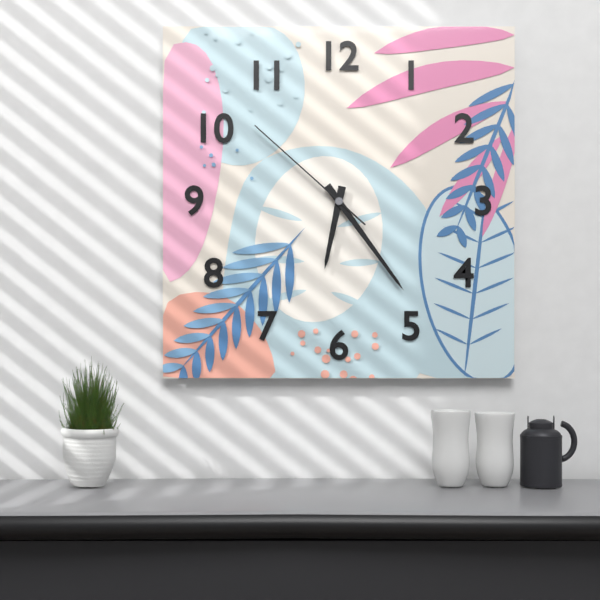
6.24.52
